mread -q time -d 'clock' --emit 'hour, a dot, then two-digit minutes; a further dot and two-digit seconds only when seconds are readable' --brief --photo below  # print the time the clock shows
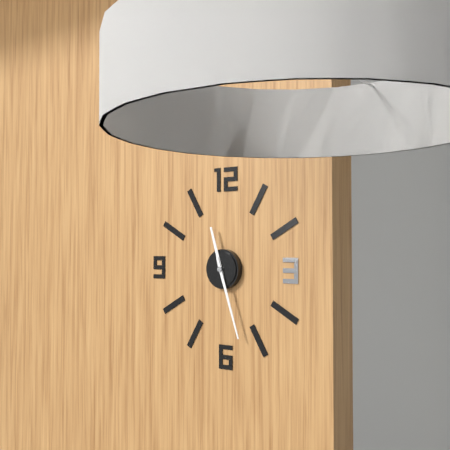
11.27
